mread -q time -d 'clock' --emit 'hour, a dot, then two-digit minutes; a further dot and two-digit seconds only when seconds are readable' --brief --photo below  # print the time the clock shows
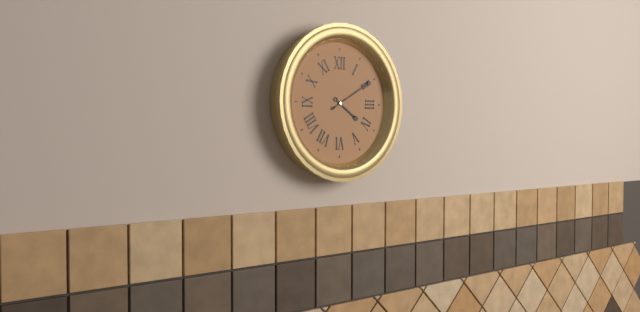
4.10
